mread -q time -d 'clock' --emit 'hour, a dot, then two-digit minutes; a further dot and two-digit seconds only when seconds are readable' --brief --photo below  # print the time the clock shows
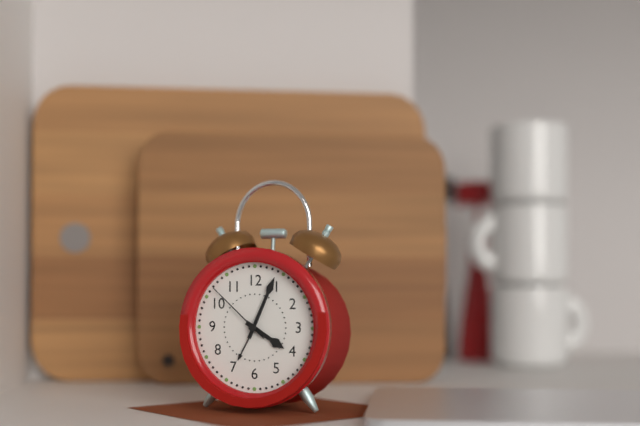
4.04.52
